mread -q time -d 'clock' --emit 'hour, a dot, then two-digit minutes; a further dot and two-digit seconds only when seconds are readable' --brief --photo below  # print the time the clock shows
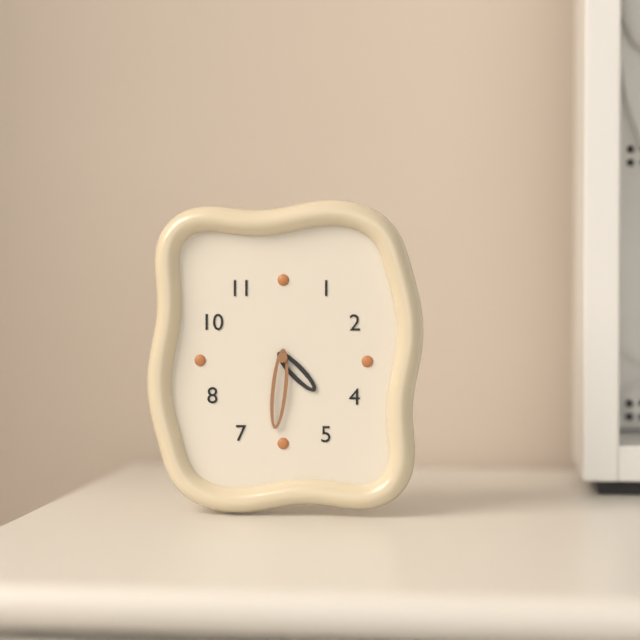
4.31
